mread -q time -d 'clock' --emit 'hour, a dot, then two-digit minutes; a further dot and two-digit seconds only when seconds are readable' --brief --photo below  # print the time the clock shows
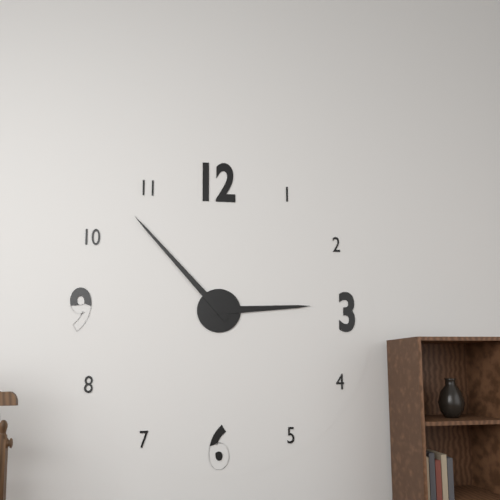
2.53
